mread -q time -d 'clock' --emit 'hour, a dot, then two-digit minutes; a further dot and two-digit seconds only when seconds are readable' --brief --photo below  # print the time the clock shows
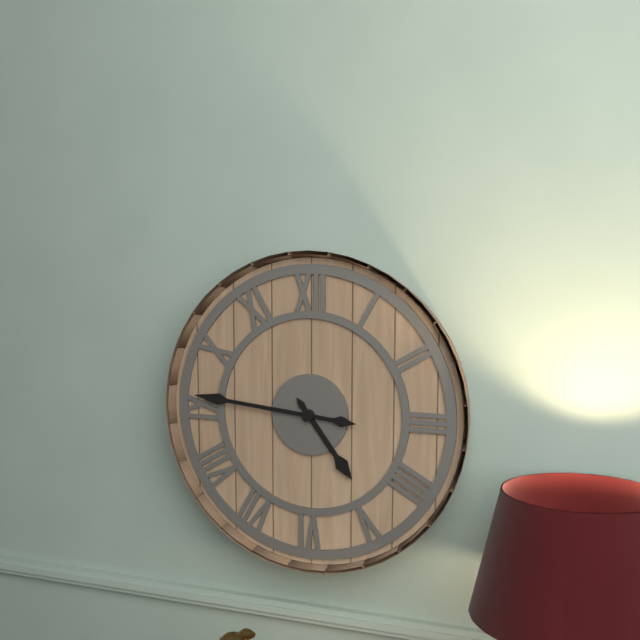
4.46
